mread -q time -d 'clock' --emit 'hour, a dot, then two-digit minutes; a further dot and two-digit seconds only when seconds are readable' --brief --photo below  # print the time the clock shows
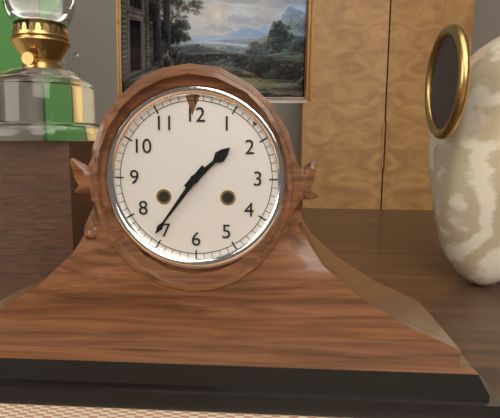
1.36
